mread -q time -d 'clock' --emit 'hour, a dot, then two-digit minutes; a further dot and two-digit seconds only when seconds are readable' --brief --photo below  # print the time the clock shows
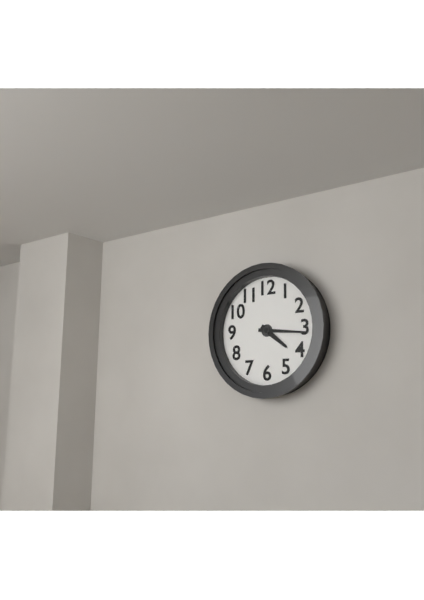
4.16
